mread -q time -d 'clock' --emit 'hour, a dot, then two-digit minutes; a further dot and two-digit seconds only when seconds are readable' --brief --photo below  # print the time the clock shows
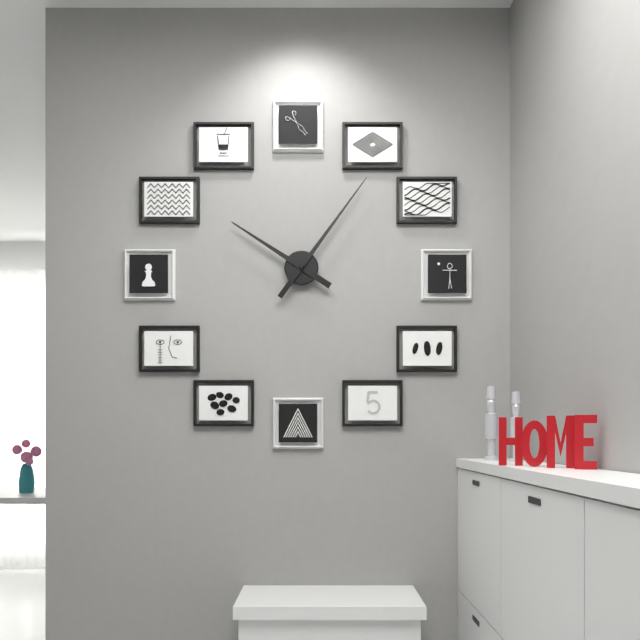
10.06
